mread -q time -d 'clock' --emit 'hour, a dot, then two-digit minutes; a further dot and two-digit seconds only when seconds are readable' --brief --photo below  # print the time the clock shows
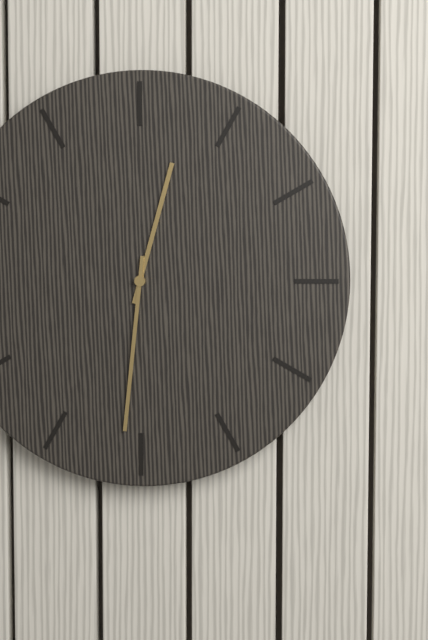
12.31
